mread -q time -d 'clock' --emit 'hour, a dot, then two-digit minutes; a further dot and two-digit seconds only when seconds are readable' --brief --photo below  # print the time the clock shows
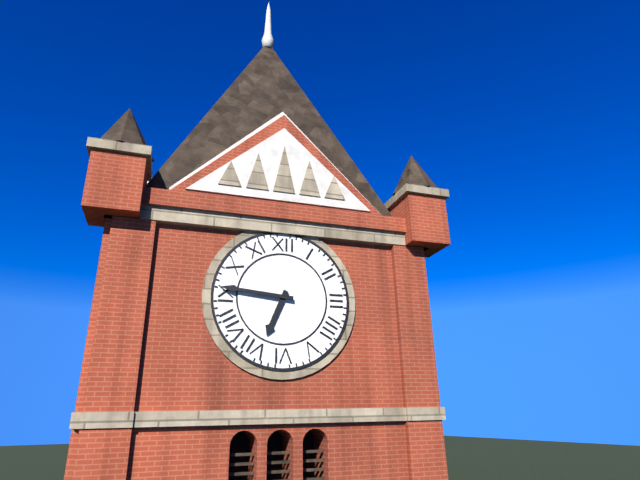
6.46
